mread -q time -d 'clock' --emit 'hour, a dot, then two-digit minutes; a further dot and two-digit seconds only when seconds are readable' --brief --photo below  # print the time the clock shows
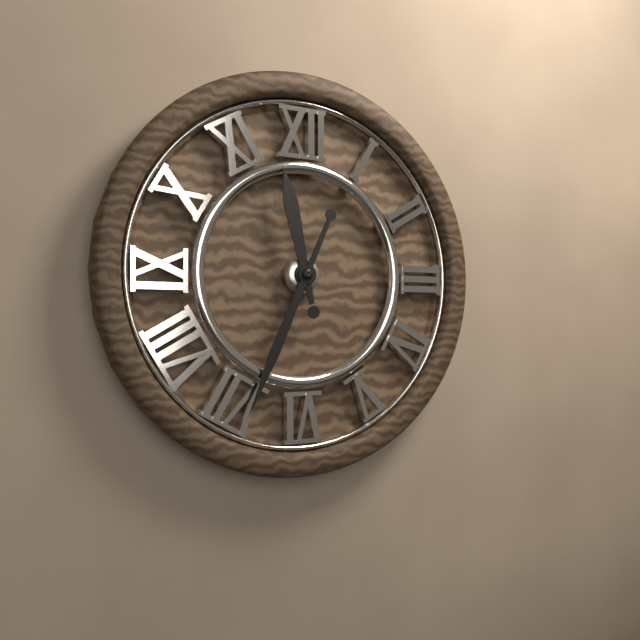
11.34
